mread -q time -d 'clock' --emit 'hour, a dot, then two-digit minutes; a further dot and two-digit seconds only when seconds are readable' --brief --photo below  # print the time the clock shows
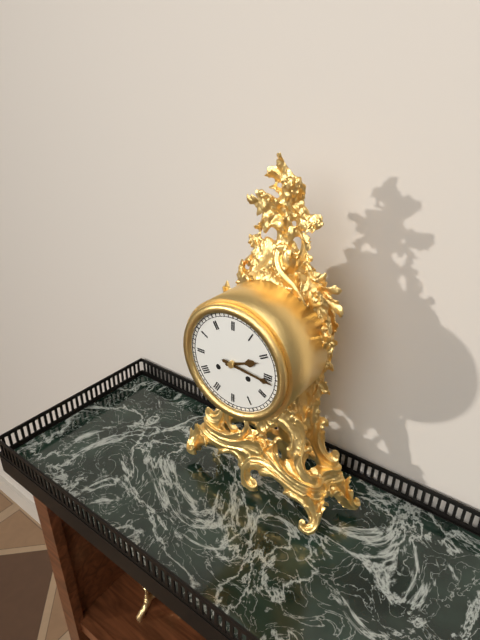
2.16
